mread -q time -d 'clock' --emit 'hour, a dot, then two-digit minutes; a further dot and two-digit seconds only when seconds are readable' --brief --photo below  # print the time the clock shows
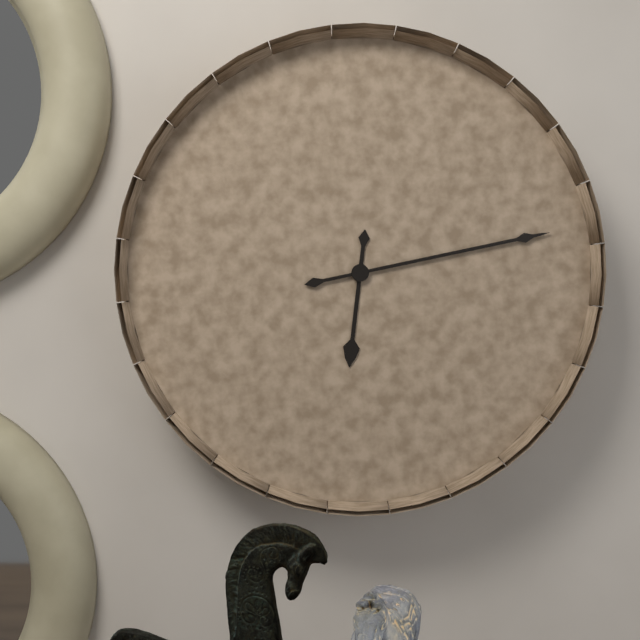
6.13
